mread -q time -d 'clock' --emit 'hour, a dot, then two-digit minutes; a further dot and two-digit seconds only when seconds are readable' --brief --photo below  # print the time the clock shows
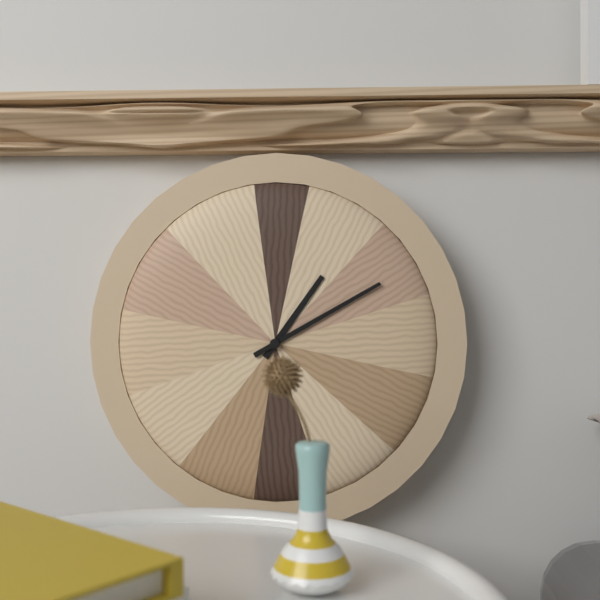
1.10
